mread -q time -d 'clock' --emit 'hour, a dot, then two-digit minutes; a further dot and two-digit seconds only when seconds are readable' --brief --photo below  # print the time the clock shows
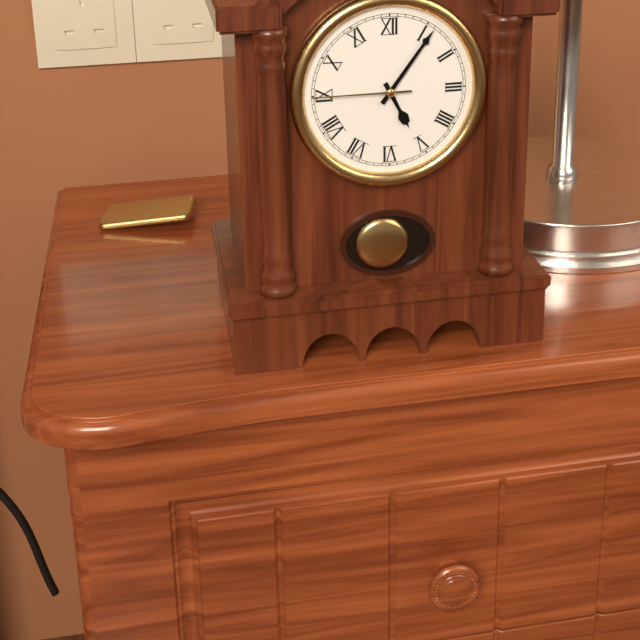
5.06.45
